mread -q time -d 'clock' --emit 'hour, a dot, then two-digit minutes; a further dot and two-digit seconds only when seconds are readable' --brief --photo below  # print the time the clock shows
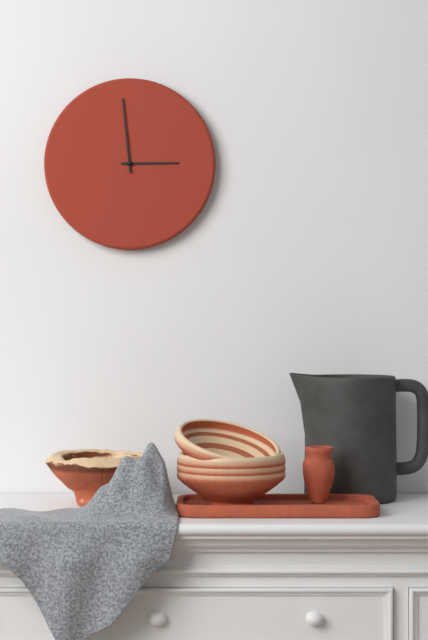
2.59
